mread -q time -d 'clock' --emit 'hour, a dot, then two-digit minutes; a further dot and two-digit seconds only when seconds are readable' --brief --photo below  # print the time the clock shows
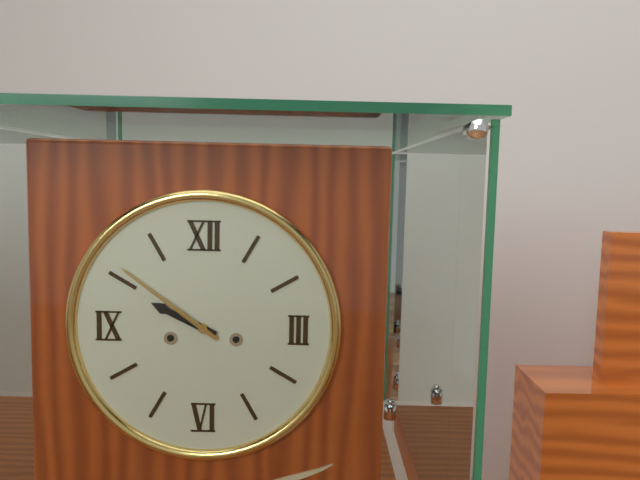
9.51
